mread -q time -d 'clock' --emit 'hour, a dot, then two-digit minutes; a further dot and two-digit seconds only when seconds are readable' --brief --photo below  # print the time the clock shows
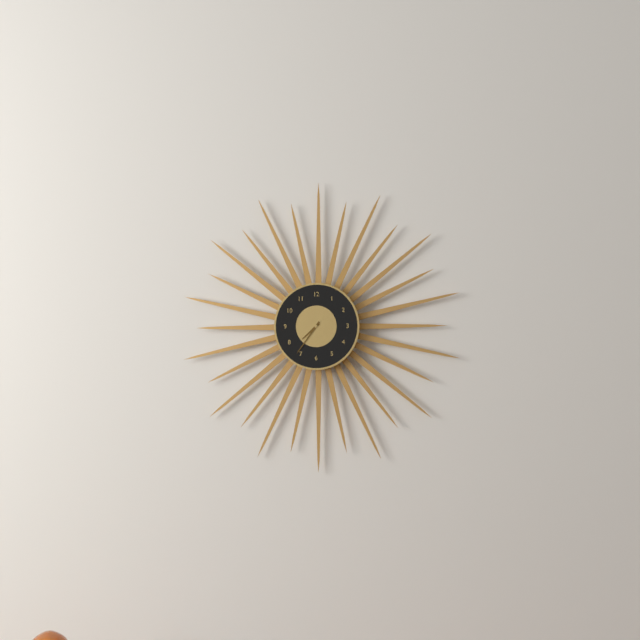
7.36
